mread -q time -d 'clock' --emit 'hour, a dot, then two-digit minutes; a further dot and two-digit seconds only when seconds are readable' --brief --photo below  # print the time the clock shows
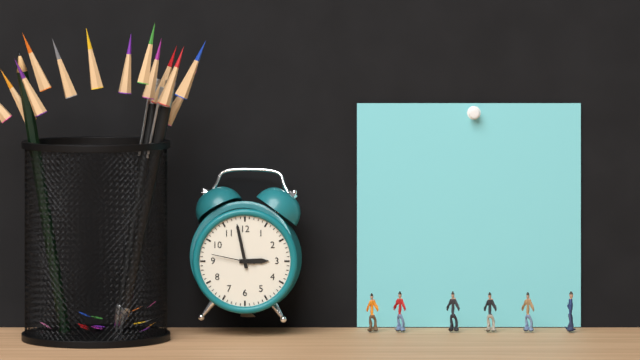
2.58
